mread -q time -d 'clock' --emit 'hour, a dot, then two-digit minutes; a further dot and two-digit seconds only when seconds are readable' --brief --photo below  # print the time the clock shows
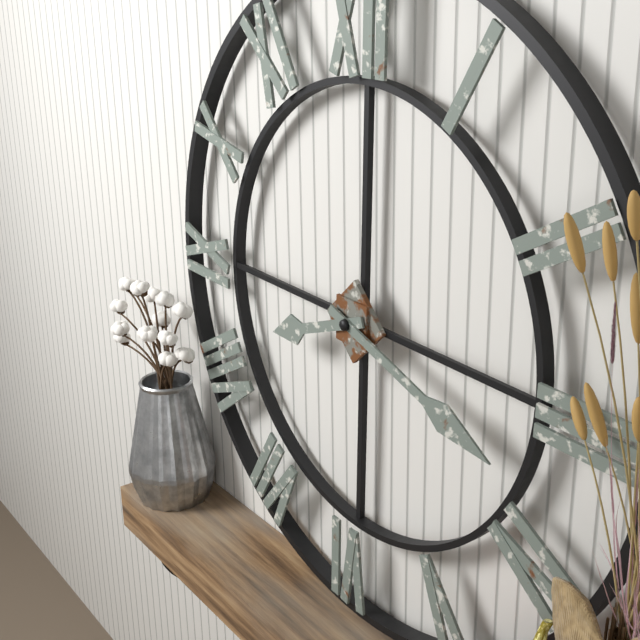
8.18
